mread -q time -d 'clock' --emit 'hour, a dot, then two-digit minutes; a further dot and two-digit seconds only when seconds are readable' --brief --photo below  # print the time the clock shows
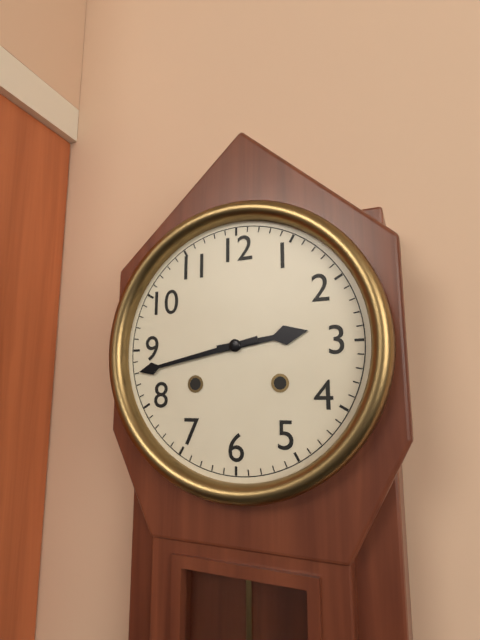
2.43
